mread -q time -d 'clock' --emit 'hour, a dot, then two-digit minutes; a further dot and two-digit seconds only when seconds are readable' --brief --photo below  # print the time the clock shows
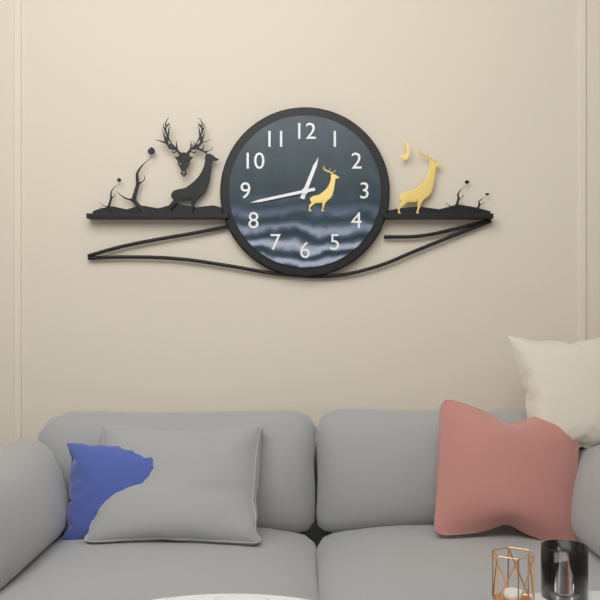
12.43
